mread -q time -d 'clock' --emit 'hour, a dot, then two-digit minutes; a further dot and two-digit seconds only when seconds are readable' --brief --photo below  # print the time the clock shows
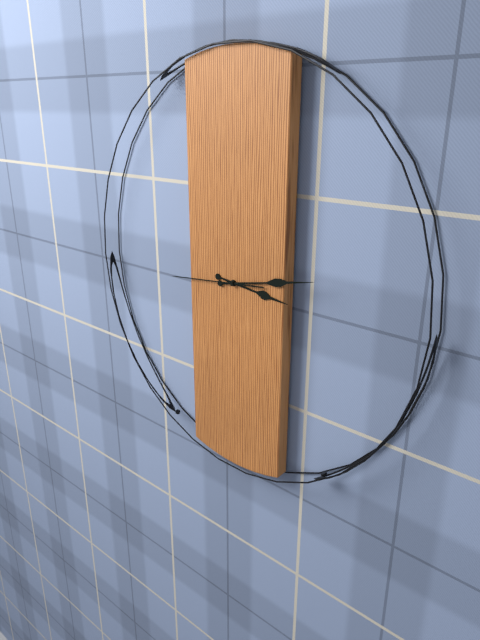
3.13.44
